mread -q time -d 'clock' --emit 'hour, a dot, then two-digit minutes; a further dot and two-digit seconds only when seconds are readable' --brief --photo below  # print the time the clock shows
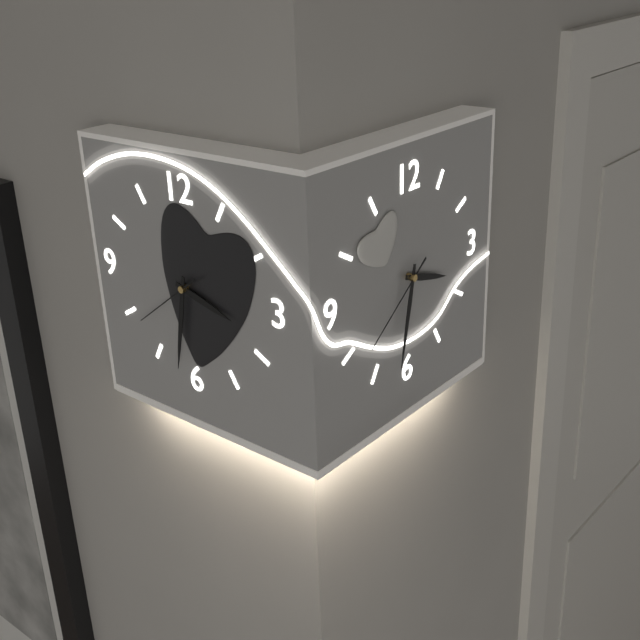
3.32.39
